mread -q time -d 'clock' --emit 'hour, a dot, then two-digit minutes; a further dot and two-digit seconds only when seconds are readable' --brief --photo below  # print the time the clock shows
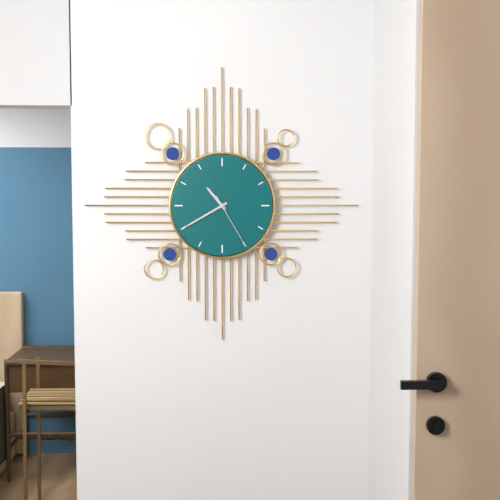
10.40.25
